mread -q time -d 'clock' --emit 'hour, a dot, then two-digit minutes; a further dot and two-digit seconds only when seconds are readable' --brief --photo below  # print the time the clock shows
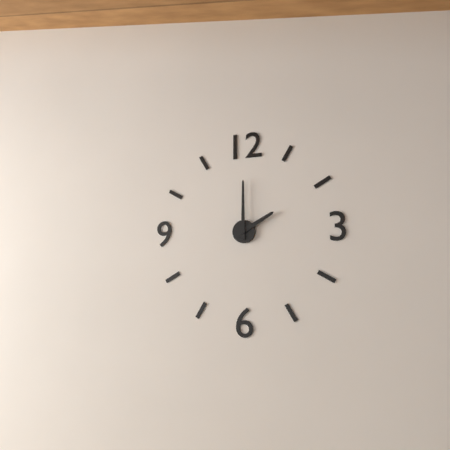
2.00
